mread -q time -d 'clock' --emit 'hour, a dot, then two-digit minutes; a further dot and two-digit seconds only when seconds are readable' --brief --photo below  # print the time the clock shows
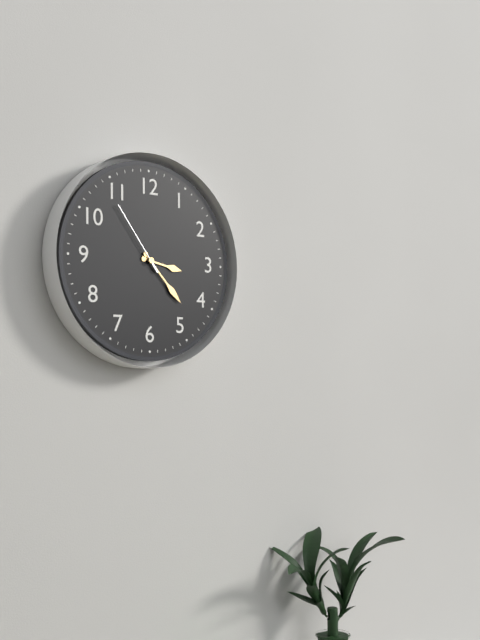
3.23.54
